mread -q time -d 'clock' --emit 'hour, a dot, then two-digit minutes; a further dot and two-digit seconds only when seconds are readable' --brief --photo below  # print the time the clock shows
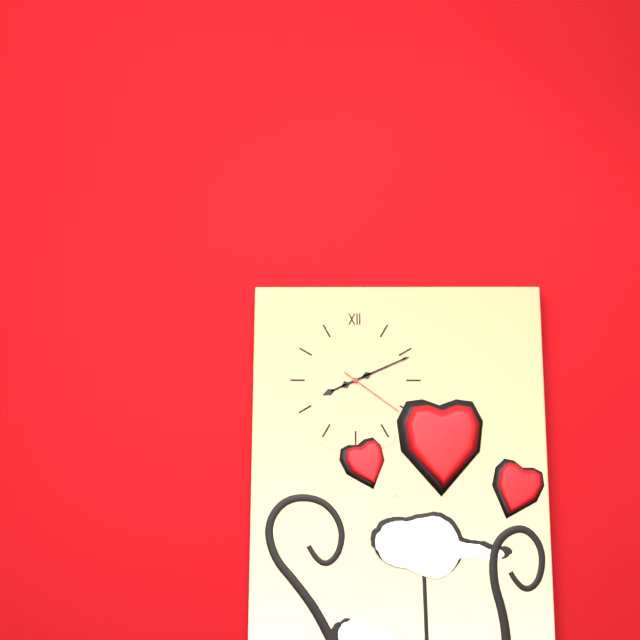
8.11.21
